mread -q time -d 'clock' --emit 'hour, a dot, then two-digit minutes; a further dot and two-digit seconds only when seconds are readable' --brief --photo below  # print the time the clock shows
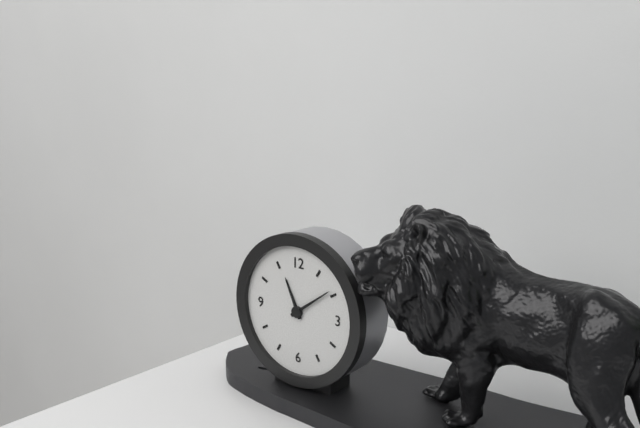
11.09
